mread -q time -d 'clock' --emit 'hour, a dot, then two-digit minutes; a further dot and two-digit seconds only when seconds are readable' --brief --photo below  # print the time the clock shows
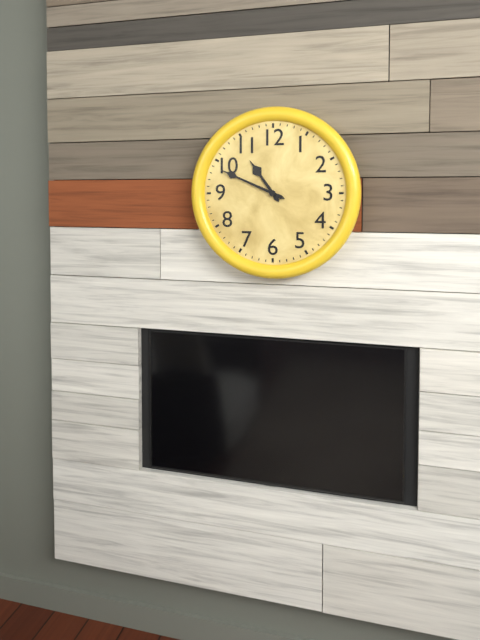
10.49
